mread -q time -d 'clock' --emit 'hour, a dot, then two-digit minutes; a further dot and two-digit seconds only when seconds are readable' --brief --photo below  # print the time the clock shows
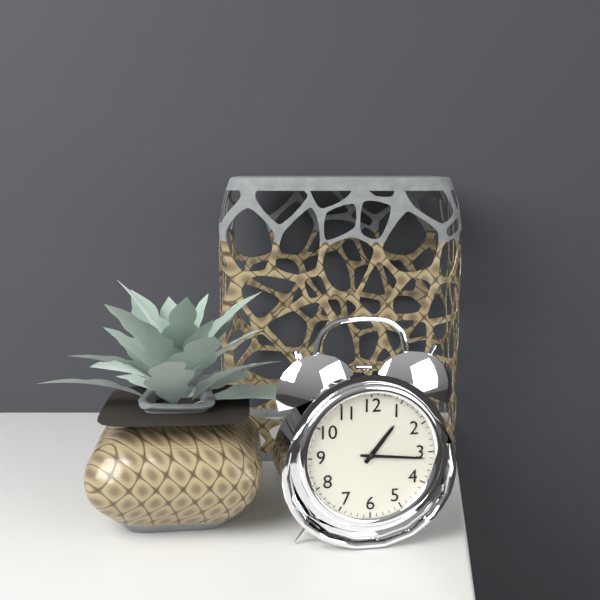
1.16
